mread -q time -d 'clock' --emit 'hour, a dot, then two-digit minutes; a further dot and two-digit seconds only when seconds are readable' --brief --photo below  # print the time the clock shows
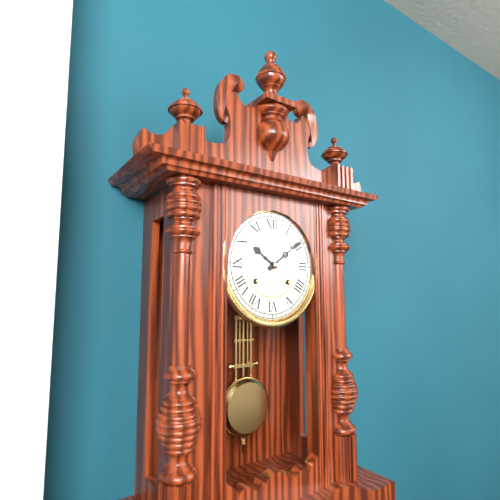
10.09
